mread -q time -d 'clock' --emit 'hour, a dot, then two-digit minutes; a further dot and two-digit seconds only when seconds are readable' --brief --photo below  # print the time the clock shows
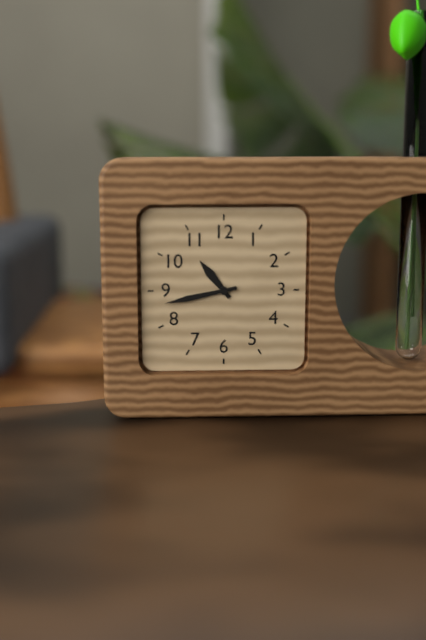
10.43
